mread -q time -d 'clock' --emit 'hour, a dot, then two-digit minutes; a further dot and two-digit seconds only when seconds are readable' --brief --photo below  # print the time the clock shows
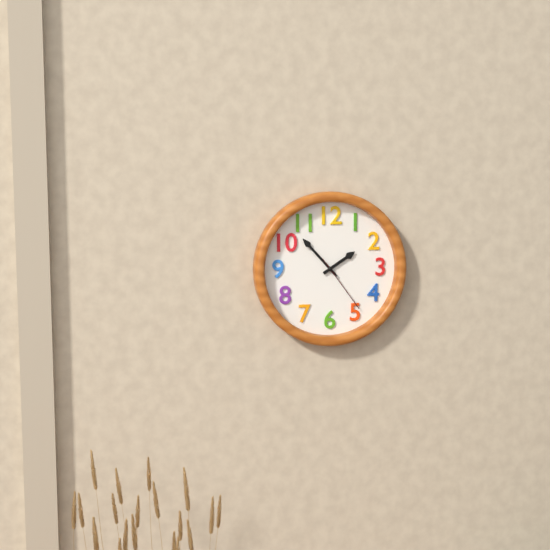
1.53.24
